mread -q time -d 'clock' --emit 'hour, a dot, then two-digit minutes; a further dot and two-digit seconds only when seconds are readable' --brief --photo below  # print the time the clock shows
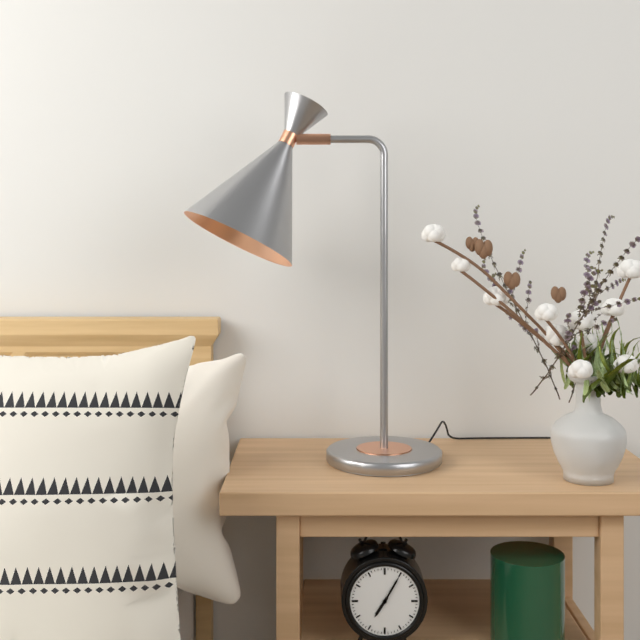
7.05
